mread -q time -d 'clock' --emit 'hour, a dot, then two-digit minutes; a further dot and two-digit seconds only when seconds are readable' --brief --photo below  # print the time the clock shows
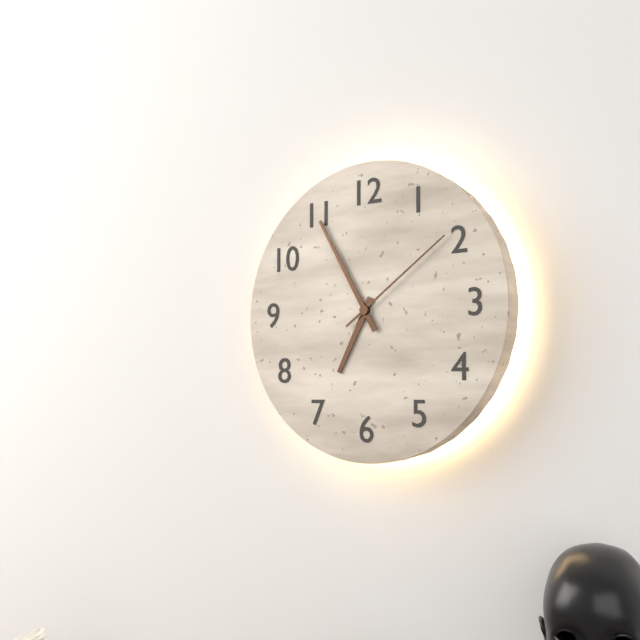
6.55.09
